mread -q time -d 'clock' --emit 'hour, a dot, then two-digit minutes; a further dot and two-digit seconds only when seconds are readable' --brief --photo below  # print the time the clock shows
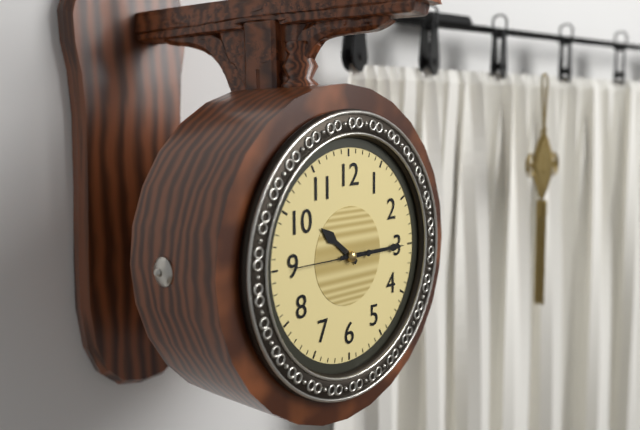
10.15.45
